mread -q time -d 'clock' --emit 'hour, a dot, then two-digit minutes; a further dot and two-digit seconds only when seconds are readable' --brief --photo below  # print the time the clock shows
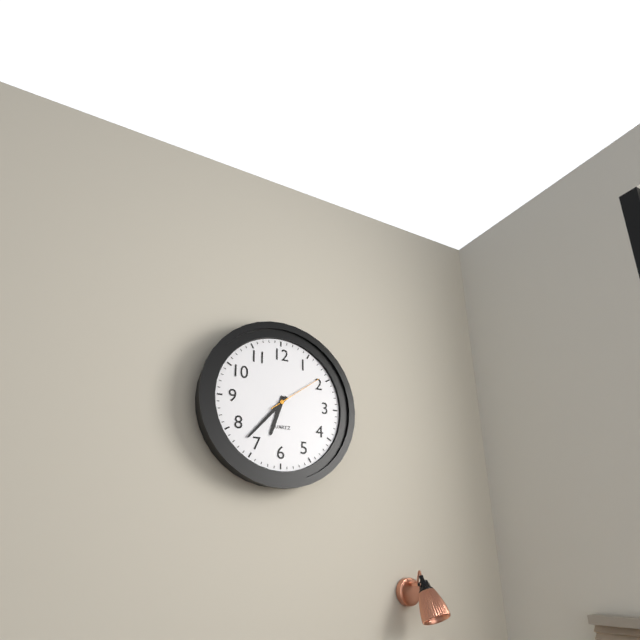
6.37.09
